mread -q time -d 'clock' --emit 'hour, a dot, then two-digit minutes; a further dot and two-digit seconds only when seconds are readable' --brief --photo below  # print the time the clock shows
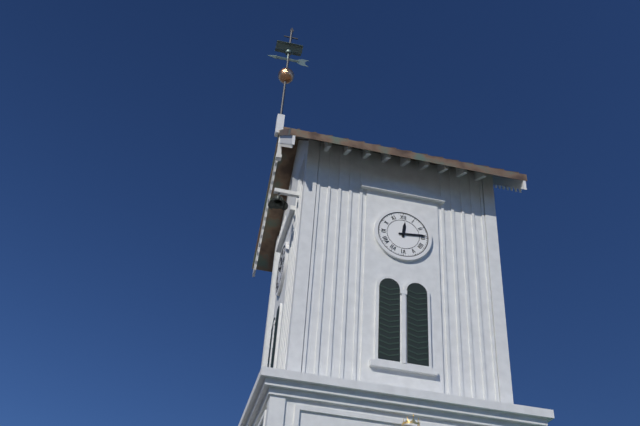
12.14
